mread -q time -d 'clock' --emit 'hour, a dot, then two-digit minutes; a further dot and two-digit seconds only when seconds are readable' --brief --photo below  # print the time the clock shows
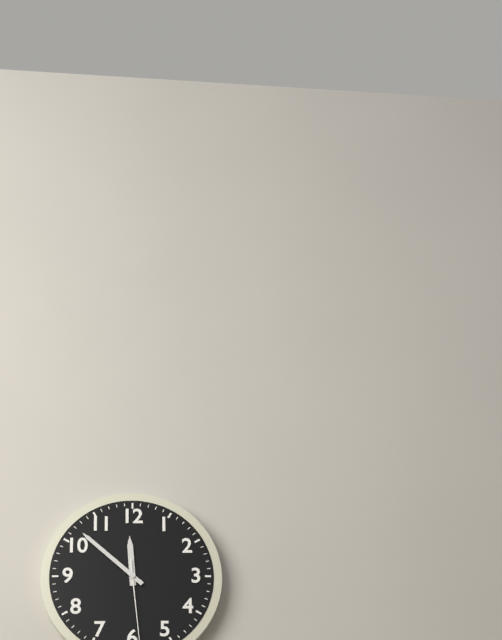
11.52
